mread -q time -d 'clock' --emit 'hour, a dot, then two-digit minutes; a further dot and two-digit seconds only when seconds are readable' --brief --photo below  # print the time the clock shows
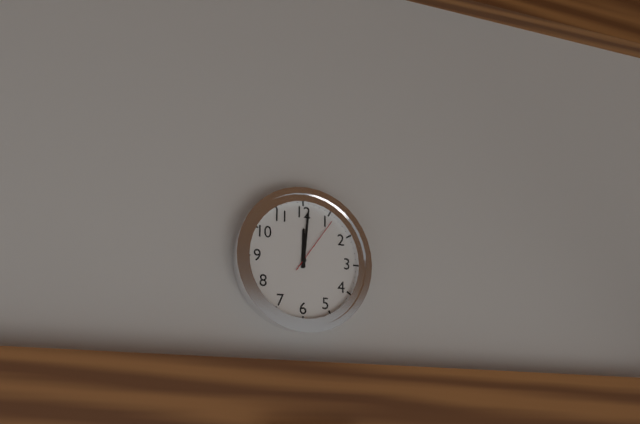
12.01.06
